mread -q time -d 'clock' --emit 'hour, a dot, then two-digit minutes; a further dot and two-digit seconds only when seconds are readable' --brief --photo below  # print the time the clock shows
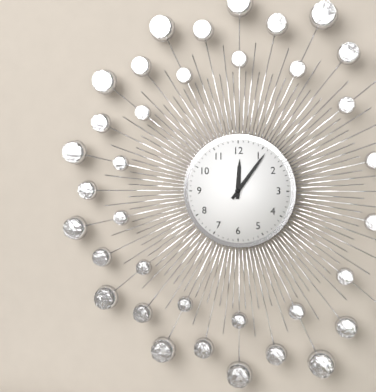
12.06
